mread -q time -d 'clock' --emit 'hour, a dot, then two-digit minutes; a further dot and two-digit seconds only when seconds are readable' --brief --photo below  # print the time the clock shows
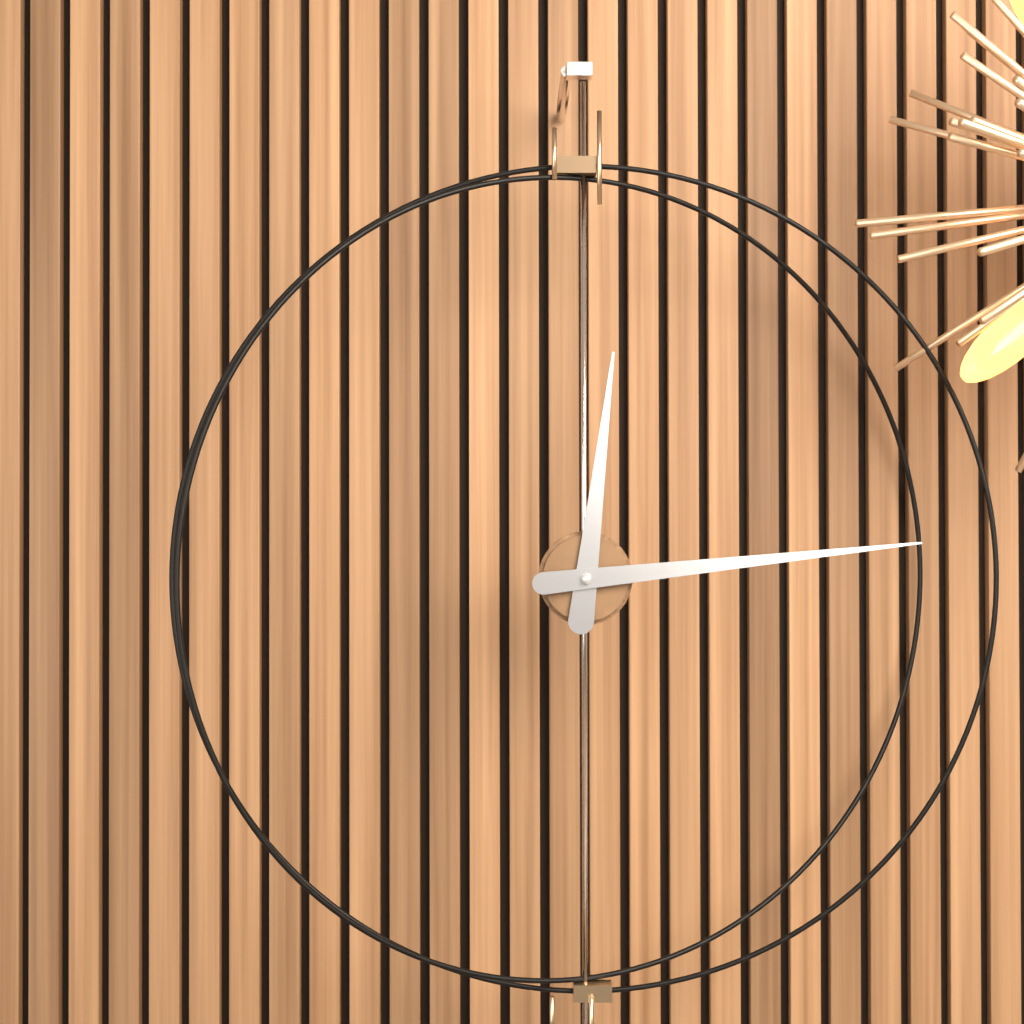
12.14
